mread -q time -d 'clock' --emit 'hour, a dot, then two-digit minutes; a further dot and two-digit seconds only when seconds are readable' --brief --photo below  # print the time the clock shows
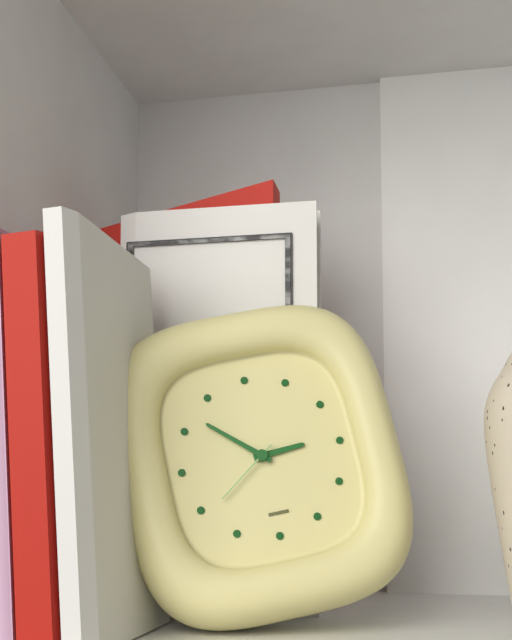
2.52.39
